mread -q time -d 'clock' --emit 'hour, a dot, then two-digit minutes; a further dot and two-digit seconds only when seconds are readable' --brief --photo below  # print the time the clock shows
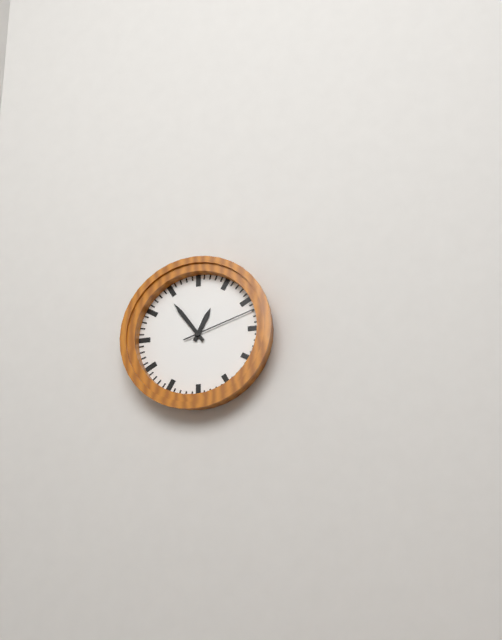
12.54.12
